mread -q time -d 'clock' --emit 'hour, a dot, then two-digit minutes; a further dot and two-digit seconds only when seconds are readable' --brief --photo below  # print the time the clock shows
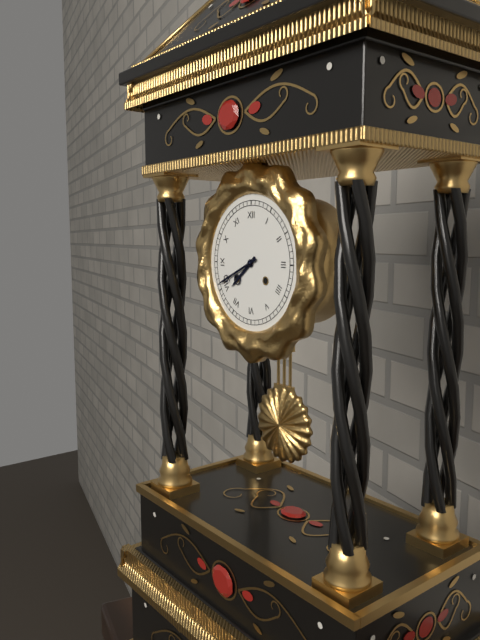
7.41
